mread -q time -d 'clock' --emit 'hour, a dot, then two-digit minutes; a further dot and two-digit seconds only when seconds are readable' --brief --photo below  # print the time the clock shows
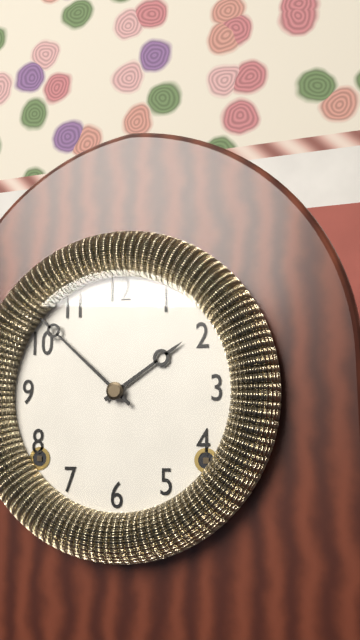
1.52
